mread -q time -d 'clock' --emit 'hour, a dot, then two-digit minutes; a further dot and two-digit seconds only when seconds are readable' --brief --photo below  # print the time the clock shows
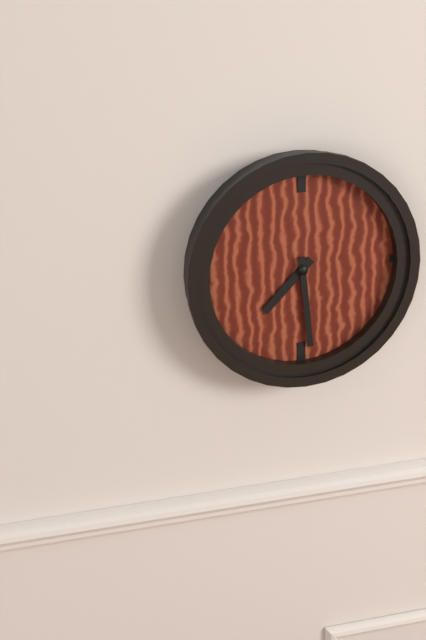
7.29
